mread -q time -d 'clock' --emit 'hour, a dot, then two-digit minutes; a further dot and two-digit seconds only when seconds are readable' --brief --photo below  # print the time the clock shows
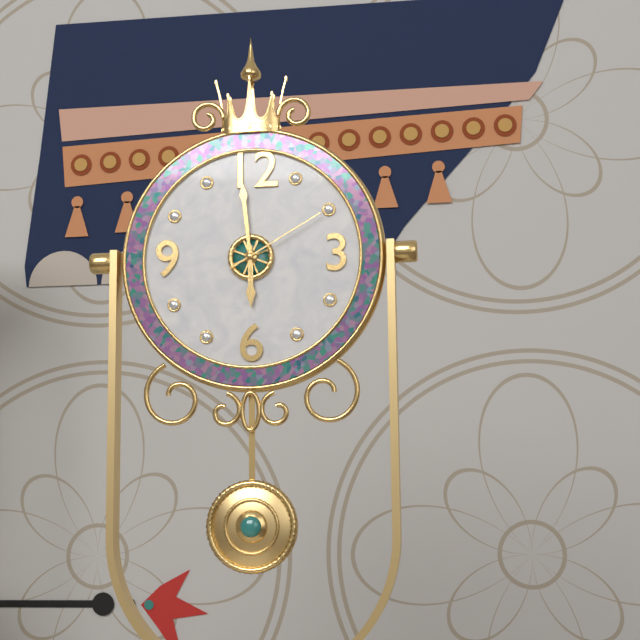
5.59.10
